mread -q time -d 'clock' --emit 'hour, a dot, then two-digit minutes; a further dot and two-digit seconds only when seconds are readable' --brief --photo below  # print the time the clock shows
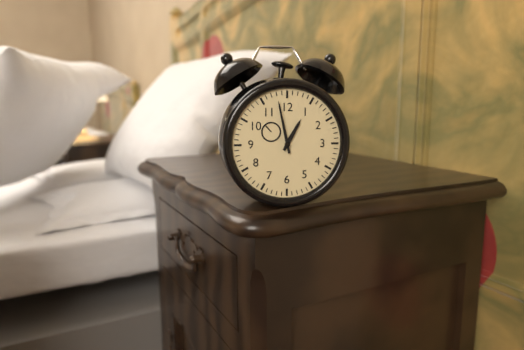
12.58
